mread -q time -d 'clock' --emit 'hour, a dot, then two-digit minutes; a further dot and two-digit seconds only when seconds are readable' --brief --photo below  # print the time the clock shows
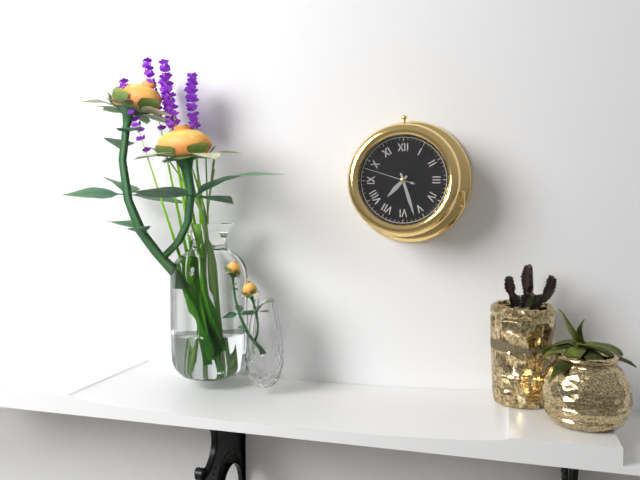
7.27
